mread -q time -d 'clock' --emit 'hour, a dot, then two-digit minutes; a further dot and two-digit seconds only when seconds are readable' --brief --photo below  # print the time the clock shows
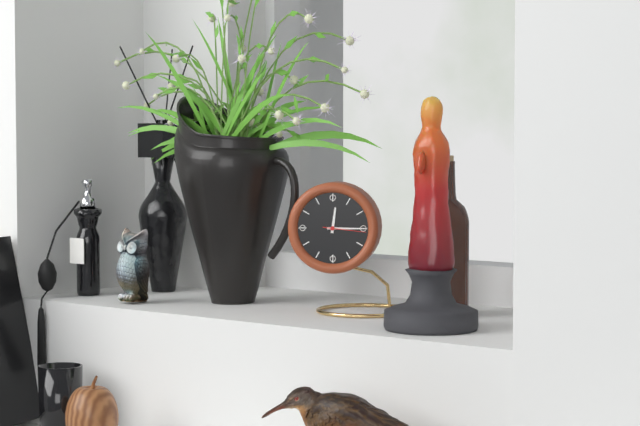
12.15
